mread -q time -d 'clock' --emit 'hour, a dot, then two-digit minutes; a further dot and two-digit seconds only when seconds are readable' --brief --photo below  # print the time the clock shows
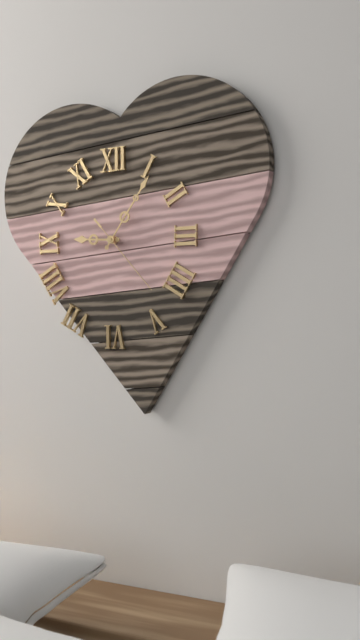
9.06.23
